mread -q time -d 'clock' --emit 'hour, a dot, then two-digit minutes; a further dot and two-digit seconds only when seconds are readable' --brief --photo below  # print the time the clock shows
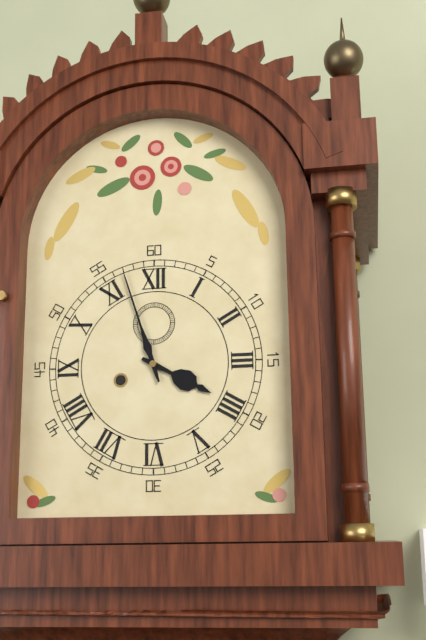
3.57
